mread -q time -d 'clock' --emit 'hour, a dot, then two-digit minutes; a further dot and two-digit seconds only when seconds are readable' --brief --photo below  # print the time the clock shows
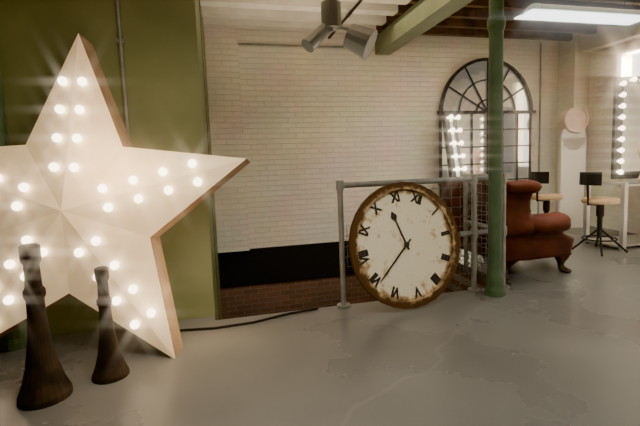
10.34
